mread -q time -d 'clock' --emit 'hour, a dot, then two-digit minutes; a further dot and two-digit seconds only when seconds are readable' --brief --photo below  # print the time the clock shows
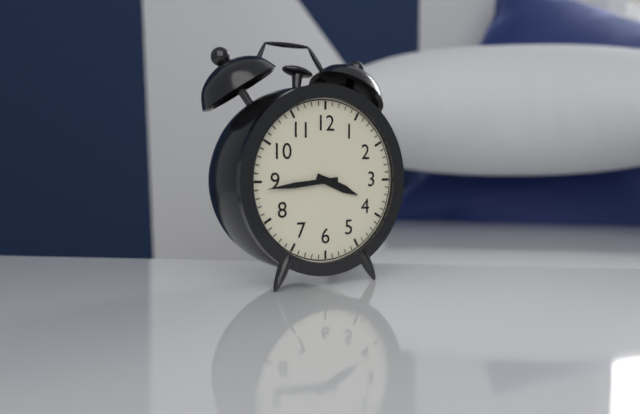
3.44
